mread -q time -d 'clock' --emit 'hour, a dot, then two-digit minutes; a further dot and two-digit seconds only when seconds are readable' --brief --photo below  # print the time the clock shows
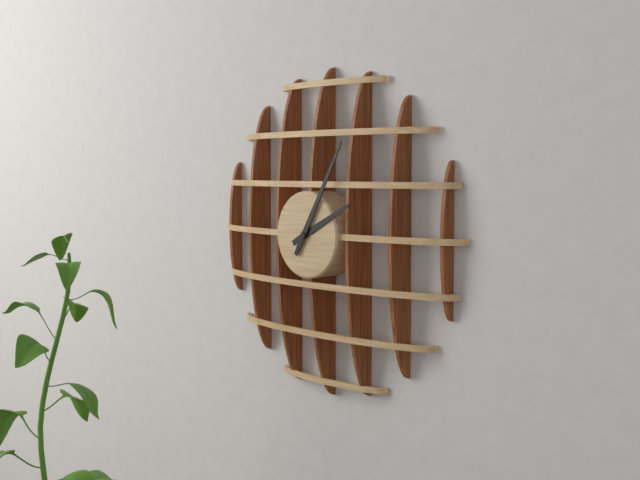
2.05
